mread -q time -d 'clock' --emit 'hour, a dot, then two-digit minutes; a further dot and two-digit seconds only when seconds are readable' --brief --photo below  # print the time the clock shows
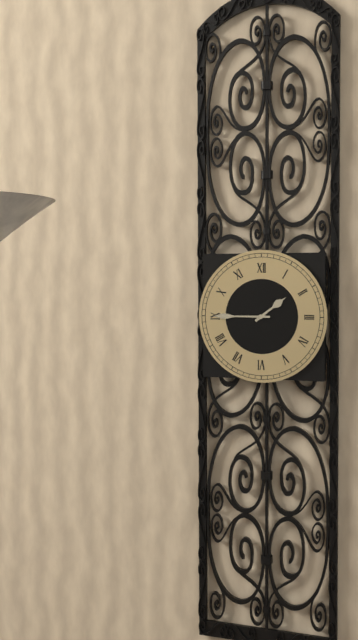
1.45
